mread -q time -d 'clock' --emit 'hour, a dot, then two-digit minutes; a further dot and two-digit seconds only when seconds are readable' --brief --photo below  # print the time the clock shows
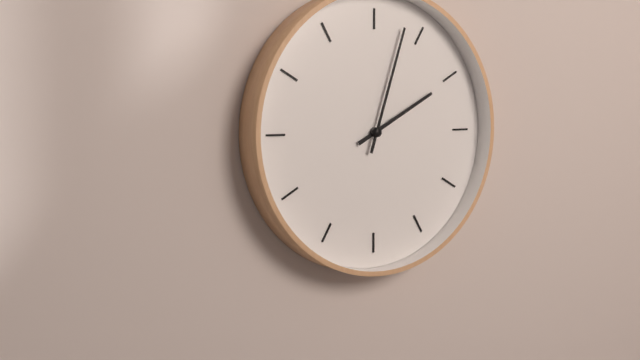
2.03
